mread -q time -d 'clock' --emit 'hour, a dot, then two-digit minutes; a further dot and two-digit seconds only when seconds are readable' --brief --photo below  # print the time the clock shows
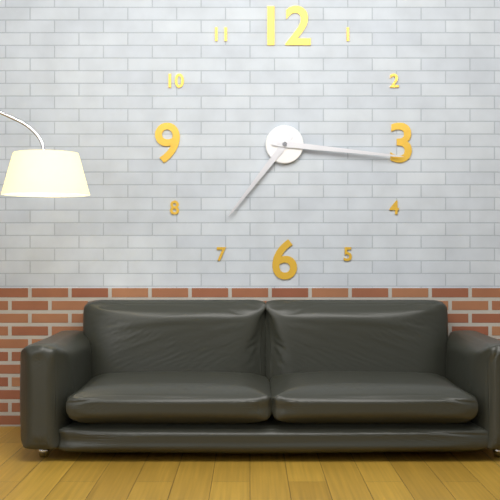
7.16
